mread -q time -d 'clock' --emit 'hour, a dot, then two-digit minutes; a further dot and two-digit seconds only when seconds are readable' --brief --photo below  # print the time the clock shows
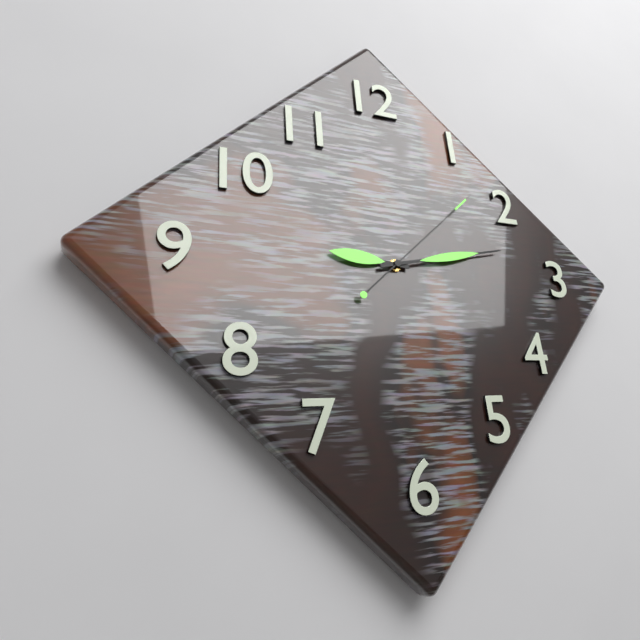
9.13.08
